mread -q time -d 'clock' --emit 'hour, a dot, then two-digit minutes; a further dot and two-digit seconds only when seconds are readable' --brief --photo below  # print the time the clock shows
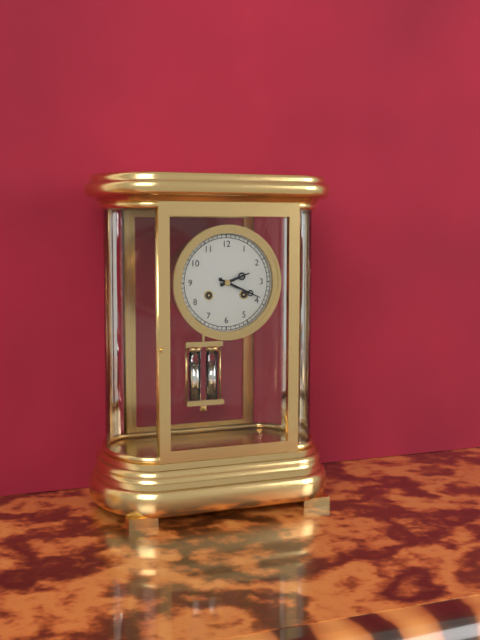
2.19
